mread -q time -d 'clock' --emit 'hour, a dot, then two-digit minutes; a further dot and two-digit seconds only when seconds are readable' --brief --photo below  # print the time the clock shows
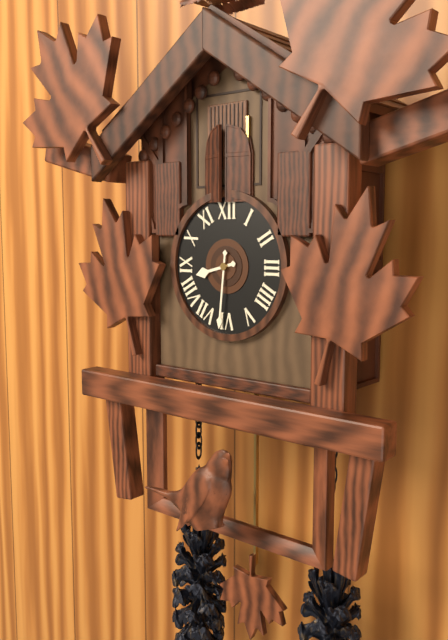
8.31
